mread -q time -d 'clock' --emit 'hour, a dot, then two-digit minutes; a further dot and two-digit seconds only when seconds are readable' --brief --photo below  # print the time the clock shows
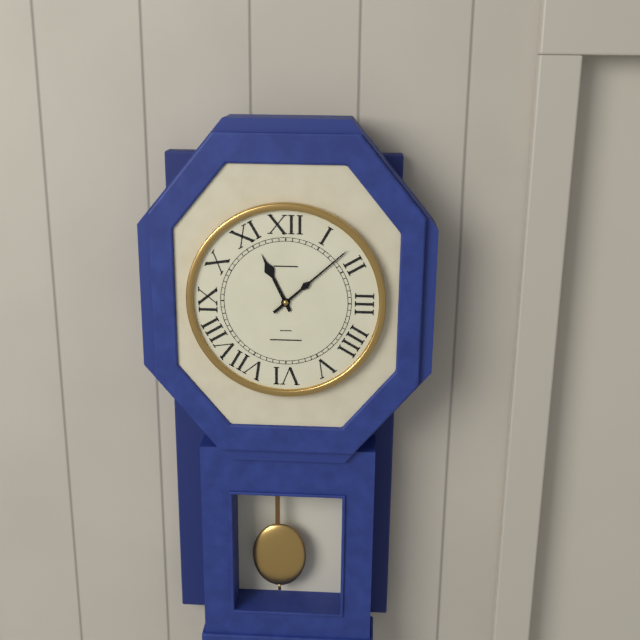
11.08
